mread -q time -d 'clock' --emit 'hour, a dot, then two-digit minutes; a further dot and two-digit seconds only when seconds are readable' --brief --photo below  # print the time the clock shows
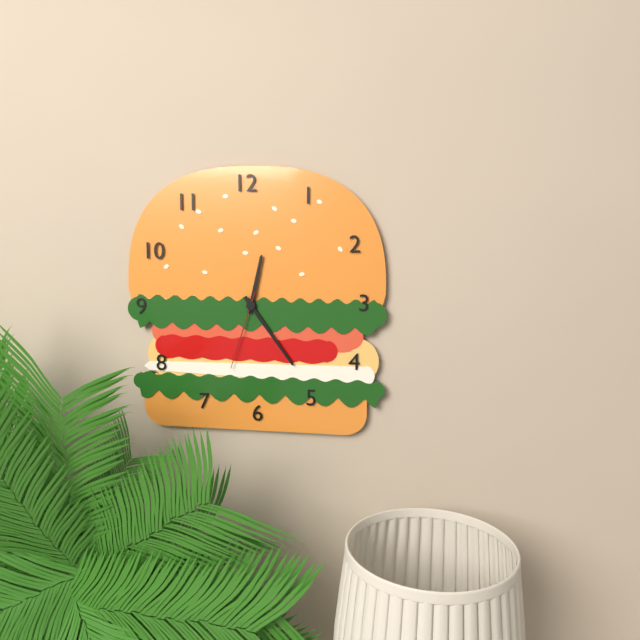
12.24.33
